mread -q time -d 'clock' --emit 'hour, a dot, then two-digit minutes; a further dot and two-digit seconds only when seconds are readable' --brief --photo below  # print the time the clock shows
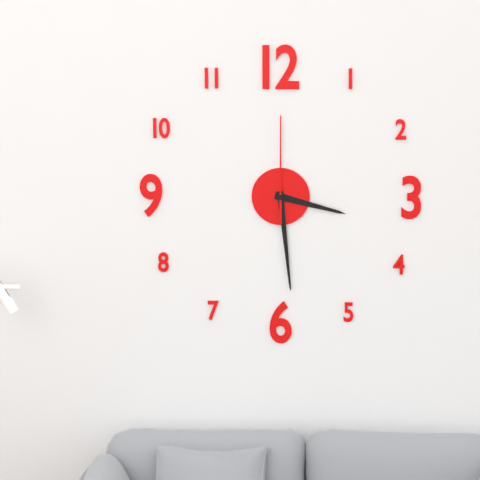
3.29.00
